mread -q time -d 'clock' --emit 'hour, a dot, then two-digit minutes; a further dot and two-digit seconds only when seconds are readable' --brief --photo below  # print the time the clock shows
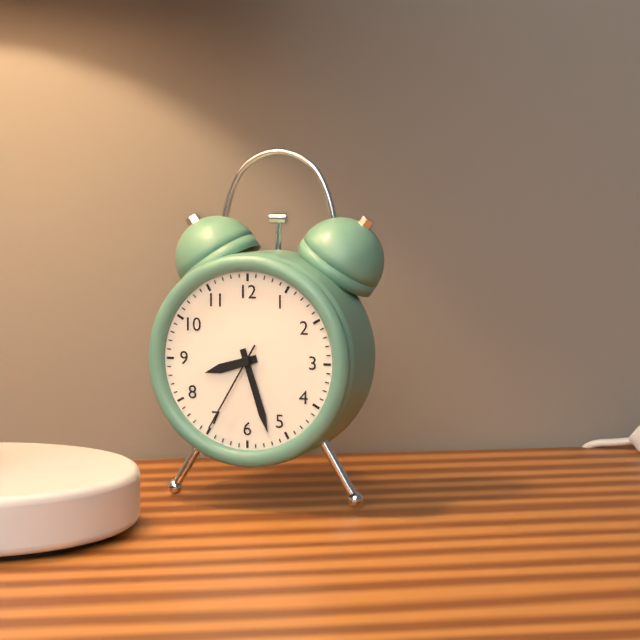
8.27.35
